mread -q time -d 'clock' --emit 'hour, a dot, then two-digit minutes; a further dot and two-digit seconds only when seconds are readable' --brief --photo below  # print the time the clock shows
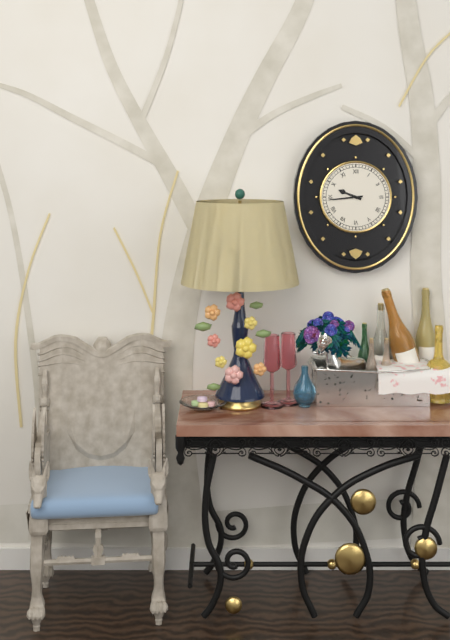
9.44
